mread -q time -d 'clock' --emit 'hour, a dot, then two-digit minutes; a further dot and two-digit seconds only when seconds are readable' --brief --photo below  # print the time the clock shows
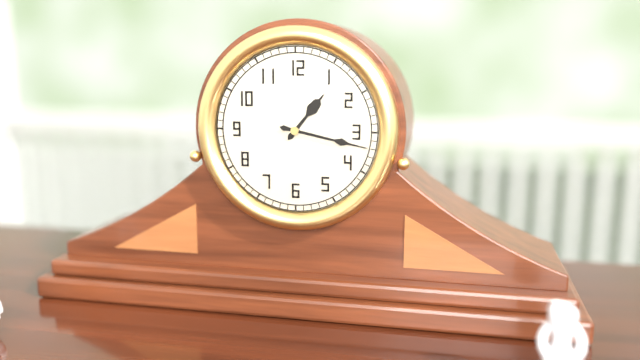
1.17
